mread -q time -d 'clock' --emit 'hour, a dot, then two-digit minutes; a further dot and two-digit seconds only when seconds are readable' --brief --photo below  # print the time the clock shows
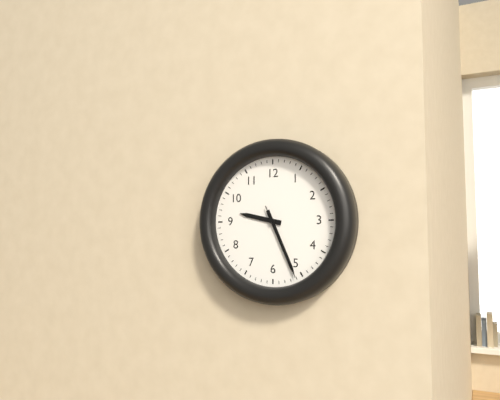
9.26.26
